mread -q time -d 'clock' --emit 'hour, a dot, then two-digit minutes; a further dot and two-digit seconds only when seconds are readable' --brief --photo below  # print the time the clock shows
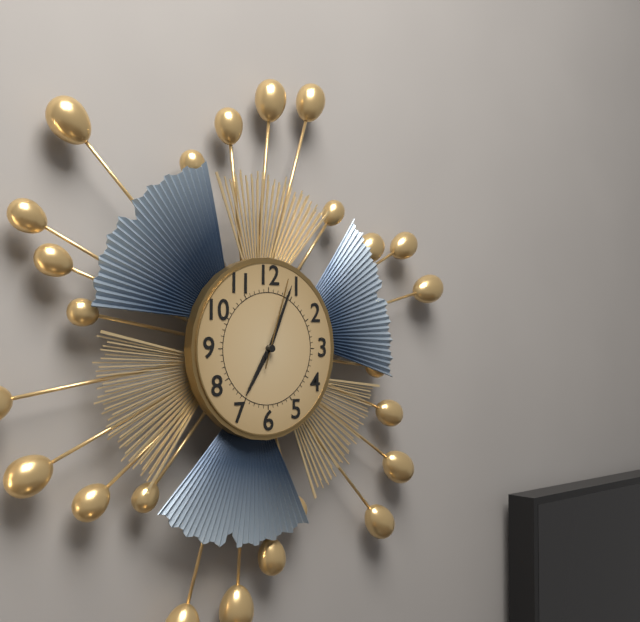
7.04.03
